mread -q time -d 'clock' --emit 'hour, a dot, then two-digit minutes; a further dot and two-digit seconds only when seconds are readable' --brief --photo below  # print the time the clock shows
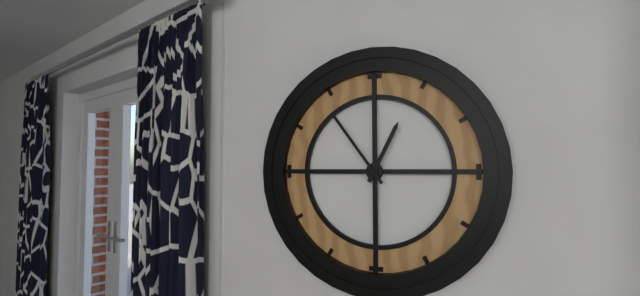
12.54
